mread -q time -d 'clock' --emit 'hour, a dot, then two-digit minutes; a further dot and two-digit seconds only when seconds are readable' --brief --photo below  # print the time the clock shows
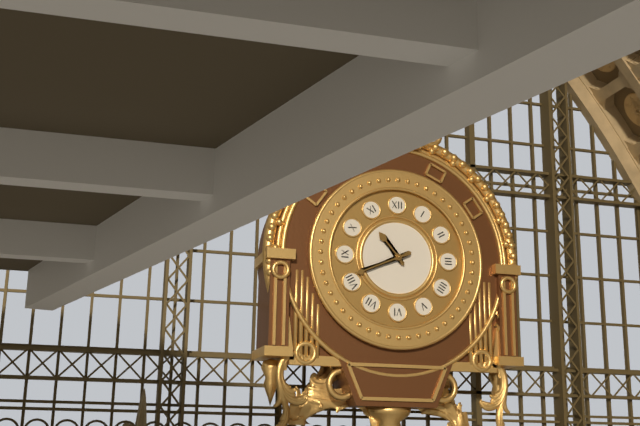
10.41
